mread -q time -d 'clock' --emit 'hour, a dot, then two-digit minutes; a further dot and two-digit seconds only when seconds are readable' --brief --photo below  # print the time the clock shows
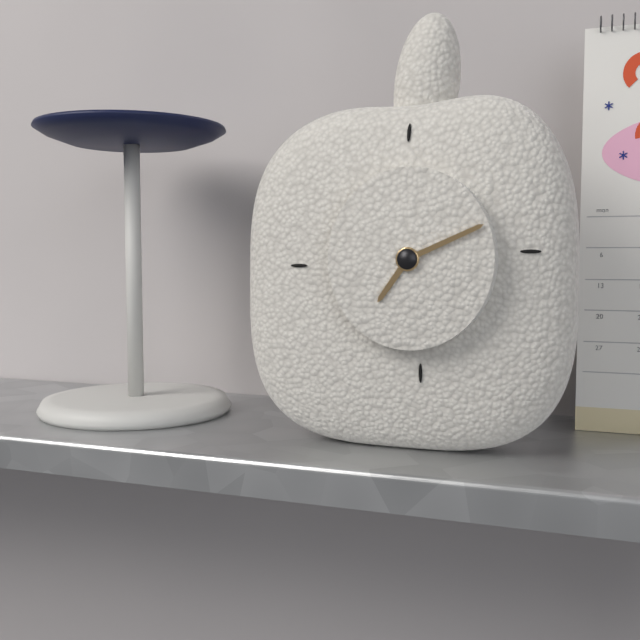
7.11
